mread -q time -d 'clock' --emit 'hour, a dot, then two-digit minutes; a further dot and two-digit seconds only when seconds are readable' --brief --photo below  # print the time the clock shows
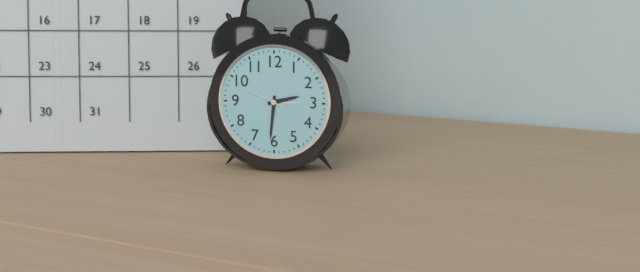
2.31
